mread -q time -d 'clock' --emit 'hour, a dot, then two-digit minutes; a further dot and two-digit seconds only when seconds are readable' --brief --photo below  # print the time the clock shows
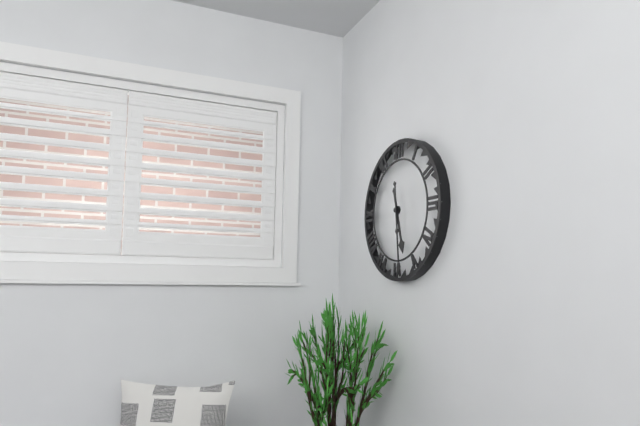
5.29
